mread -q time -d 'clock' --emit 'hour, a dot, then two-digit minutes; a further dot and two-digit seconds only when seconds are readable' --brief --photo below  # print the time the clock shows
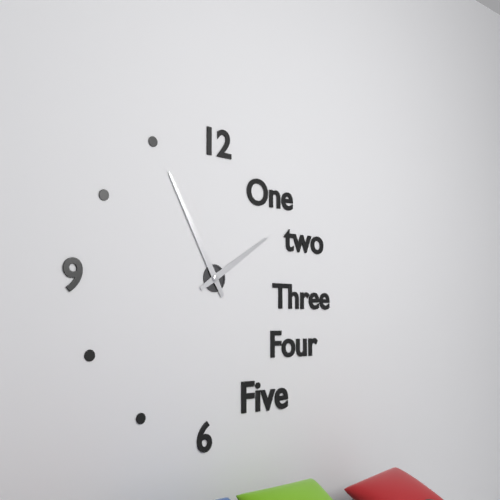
1.55
